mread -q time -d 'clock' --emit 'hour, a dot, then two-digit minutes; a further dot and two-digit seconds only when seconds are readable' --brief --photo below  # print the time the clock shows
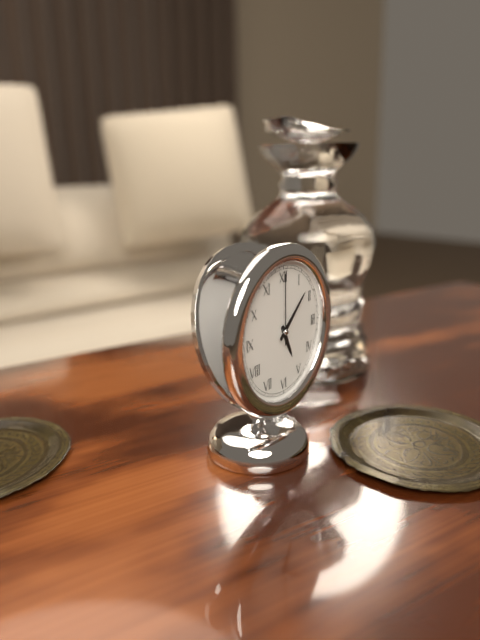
5.08.00
